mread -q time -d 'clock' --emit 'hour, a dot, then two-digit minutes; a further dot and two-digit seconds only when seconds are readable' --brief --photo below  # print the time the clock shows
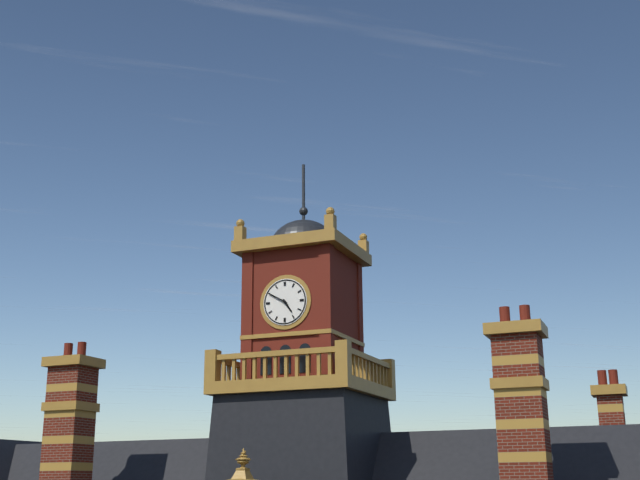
4.50
